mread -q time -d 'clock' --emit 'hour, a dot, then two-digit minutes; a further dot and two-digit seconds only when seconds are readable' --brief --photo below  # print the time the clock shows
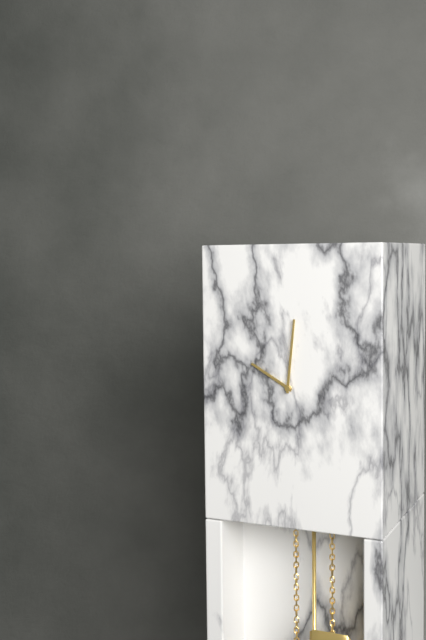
10.01
